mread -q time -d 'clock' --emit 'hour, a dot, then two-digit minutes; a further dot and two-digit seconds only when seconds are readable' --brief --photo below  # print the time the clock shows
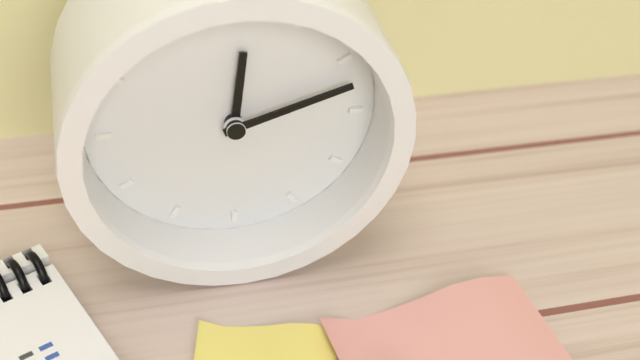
12.12
